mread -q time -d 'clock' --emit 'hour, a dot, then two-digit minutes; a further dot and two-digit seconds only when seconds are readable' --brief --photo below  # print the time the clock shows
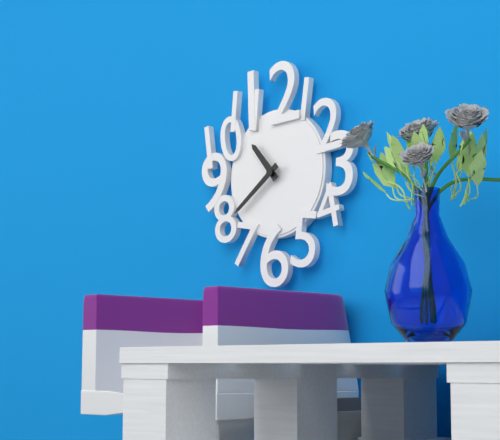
10.39
